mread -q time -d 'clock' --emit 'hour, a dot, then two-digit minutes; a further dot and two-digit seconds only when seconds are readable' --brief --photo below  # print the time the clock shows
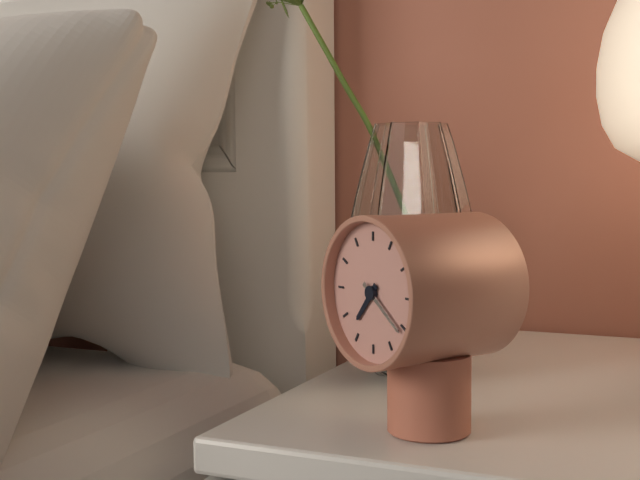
7.21
